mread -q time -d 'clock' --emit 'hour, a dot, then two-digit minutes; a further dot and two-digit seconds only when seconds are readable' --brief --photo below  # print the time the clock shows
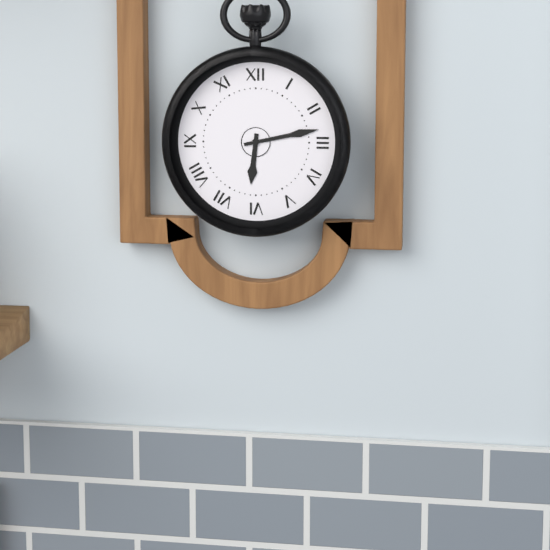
6.13
